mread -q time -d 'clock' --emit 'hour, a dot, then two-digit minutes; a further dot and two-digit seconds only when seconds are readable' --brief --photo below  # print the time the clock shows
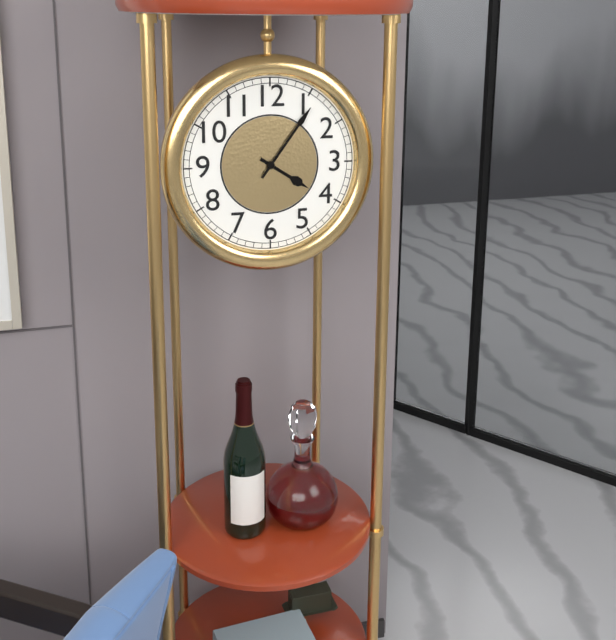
4.06
